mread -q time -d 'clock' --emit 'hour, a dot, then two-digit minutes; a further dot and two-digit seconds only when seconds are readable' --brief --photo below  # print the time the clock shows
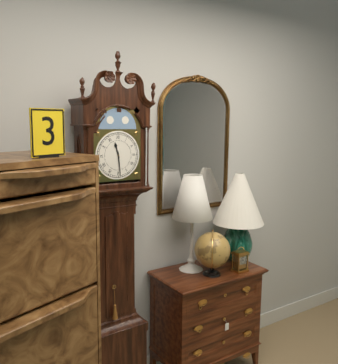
11.29
